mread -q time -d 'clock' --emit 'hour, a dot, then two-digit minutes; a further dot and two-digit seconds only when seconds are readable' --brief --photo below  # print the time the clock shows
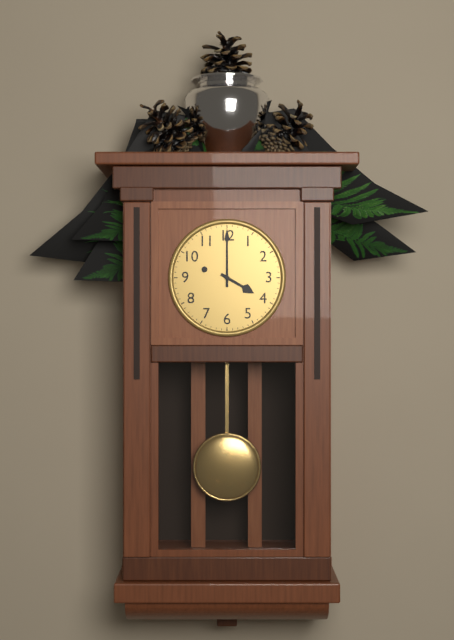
4.00
